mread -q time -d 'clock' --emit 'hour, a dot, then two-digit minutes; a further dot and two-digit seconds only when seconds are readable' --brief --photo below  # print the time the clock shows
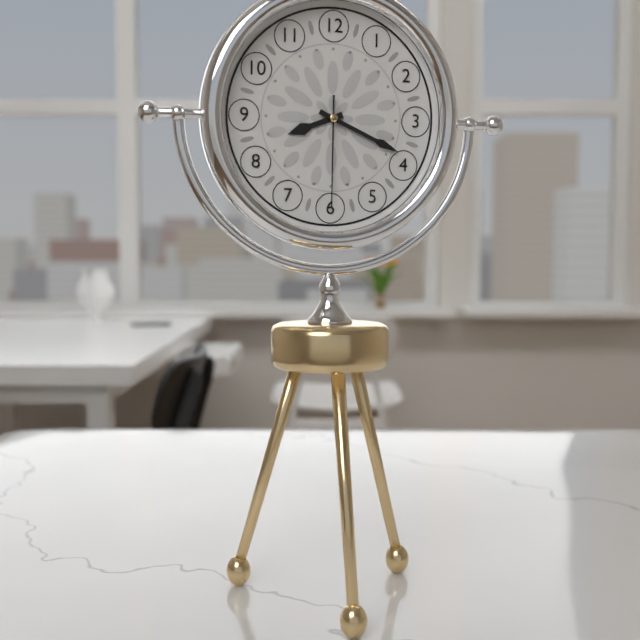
8.19.30
